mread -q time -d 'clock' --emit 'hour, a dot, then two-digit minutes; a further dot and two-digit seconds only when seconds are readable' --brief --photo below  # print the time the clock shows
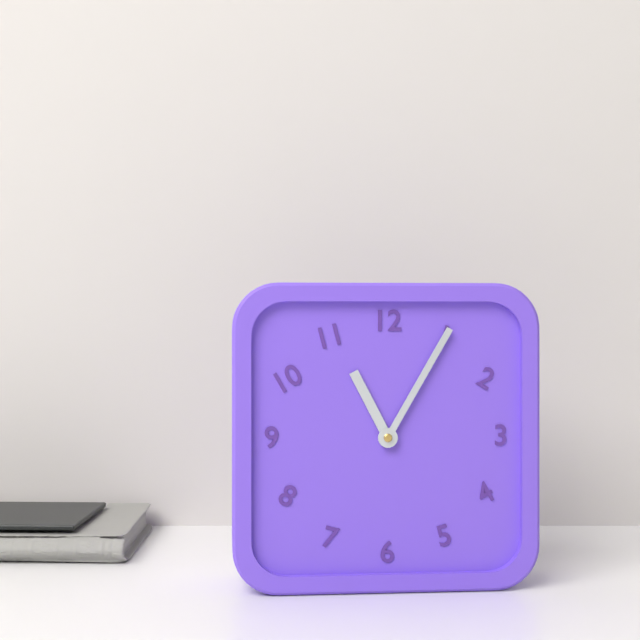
11.05
